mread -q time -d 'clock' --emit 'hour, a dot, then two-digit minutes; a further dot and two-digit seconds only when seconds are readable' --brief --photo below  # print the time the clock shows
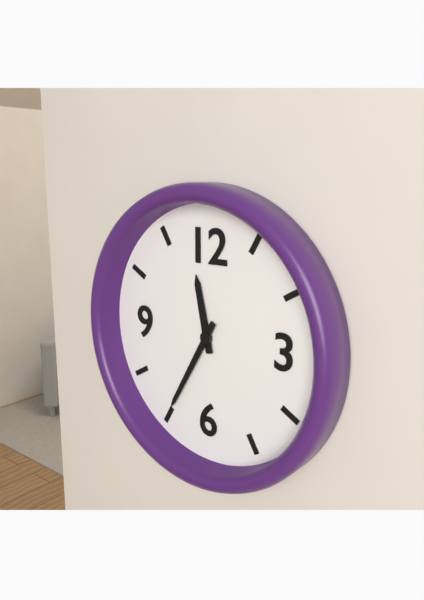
11.35
